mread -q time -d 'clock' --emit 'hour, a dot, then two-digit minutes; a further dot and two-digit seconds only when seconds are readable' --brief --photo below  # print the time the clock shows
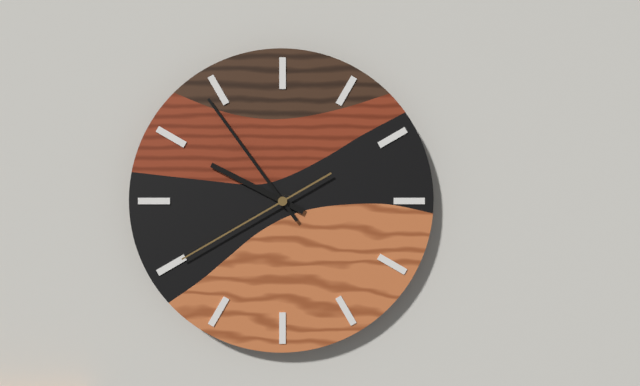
9.54.40
